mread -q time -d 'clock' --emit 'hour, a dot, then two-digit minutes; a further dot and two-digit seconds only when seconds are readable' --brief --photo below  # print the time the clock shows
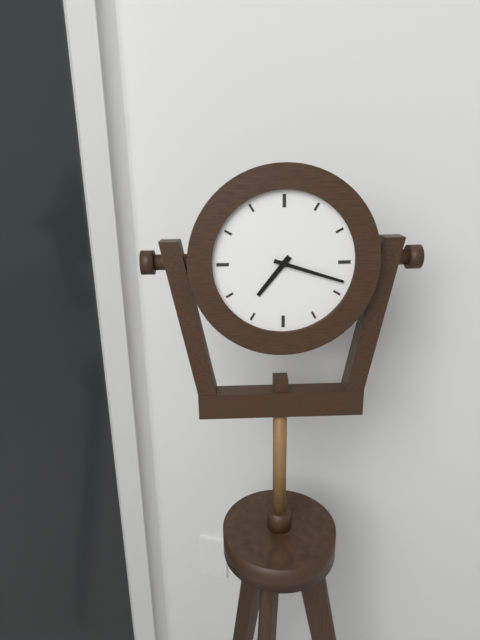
7.18
